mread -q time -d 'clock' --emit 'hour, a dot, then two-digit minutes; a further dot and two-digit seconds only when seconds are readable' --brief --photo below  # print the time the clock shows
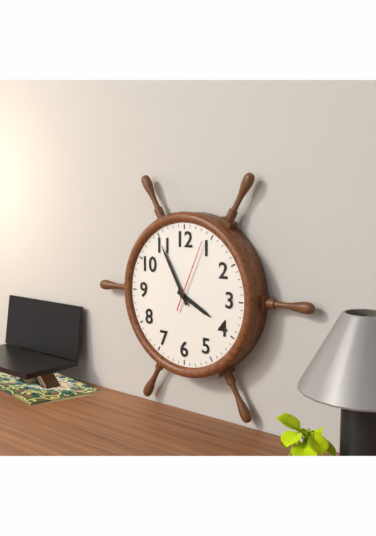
3.55.04
